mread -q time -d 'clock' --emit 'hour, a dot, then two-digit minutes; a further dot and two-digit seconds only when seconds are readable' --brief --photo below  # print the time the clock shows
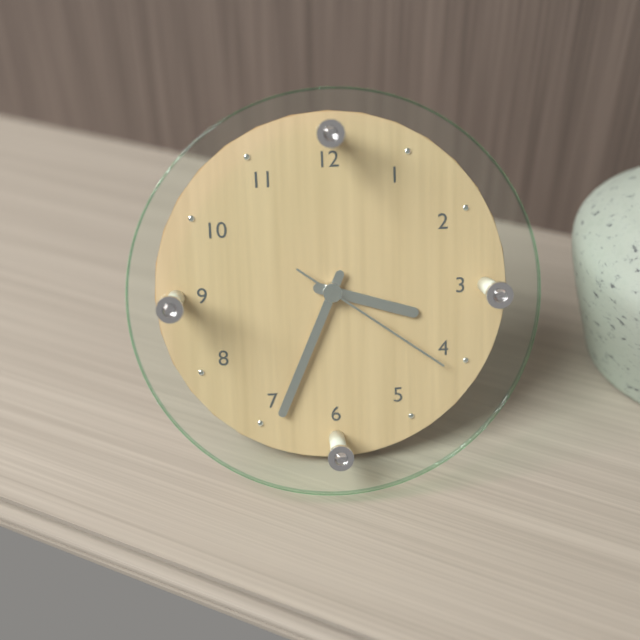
3.34.21
